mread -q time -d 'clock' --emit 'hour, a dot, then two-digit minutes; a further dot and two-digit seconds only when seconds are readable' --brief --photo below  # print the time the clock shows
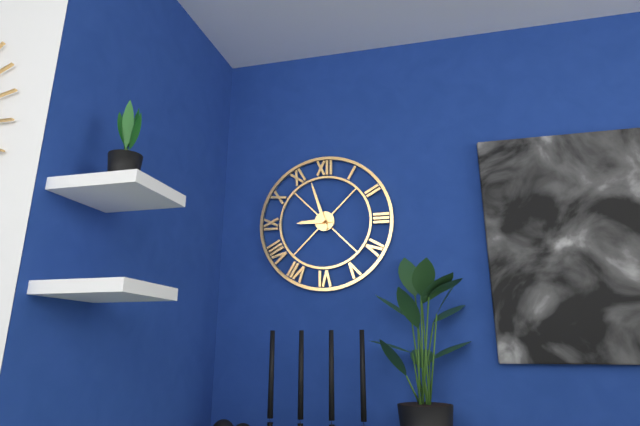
8.57
